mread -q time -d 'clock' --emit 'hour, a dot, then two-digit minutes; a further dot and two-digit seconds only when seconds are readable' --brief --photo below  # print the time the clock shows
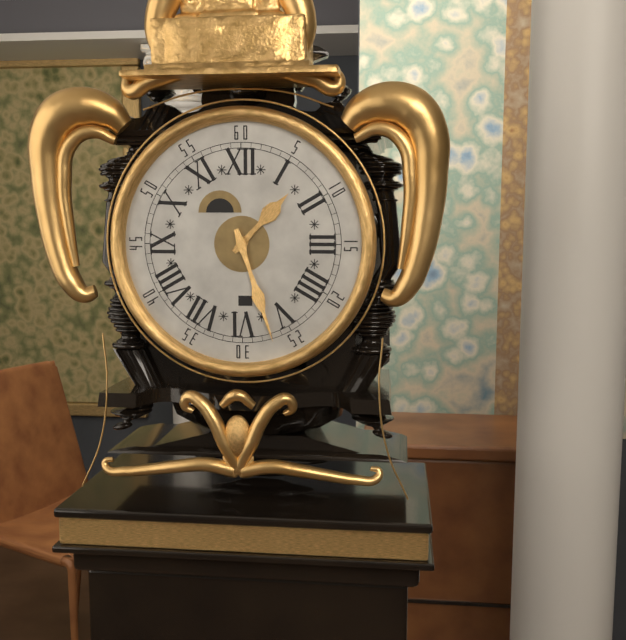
1.27
